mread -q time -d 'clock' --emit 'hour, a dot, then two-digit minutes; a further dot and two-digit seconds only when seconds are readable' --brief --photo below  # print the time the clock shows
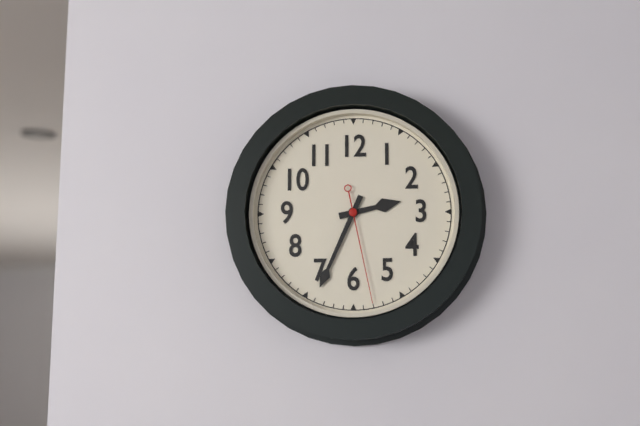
2.34.28
